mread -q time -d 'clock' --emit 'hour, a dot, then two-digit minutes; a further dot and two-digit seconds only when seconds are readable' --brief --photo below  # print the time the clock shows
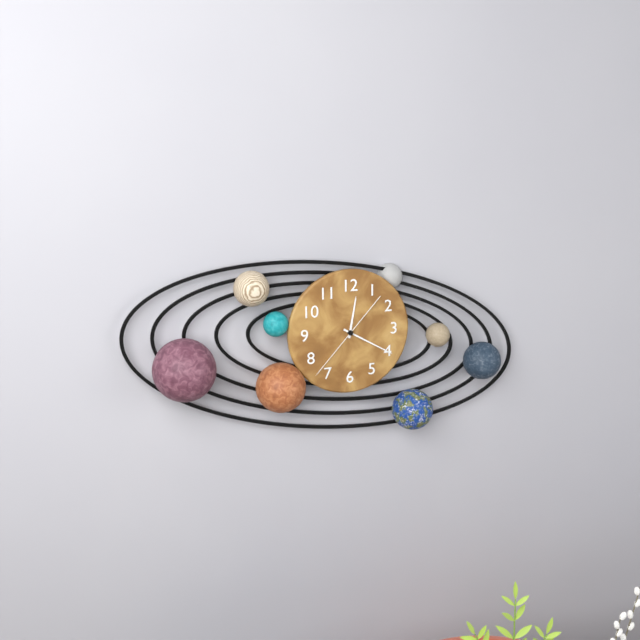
12.20.37
